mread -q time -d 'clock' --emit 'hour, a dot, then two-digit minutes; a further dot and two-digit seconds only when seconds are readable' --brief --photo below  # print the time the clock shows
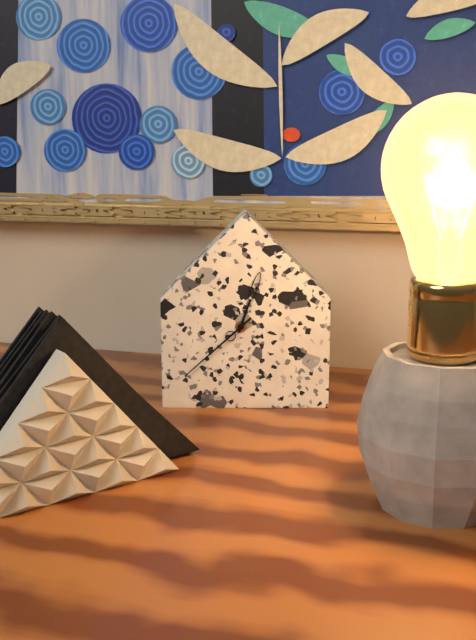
12.38
